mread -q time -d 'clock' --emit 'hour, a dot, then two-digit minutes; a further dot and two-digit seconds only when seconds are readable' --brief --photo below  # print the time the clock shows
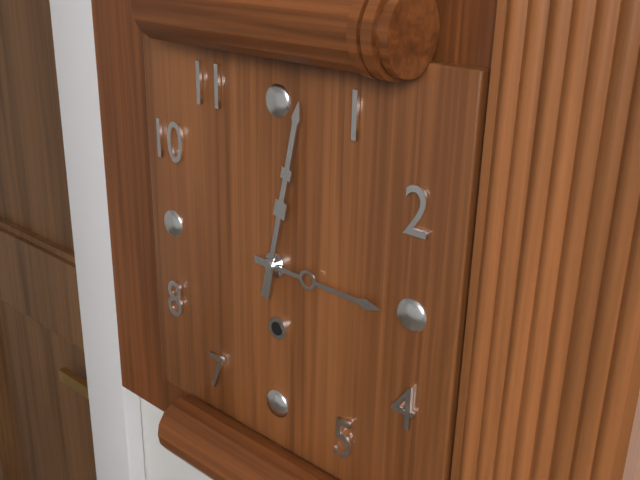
3.02
